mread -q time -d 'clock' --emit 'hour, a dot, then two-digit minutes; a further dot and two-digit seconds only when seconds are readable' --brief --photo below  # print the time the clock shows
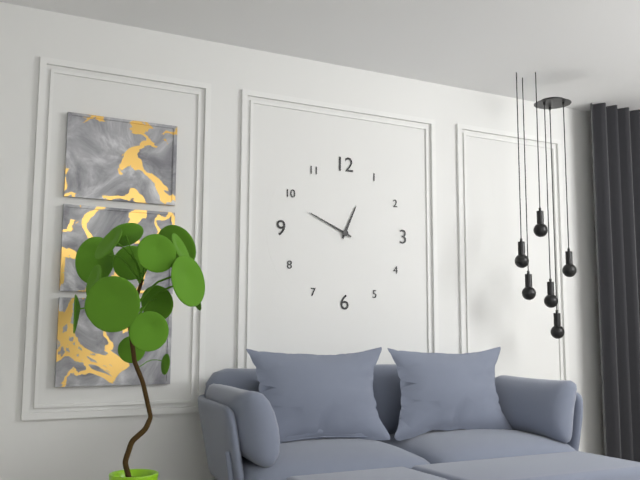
12.49
